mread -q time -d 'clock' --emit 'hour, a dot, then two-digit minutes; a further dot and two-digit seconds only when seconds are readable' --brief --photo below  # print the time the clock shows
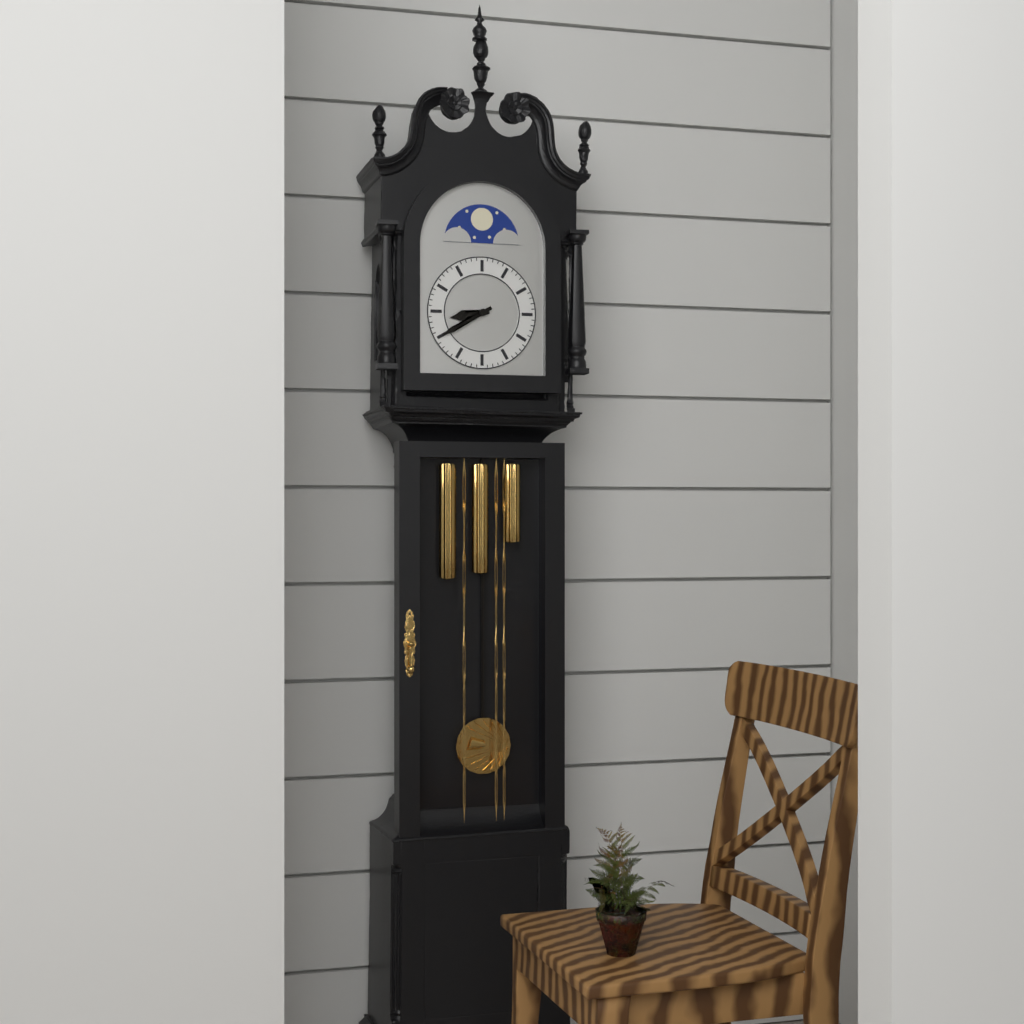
8.40
